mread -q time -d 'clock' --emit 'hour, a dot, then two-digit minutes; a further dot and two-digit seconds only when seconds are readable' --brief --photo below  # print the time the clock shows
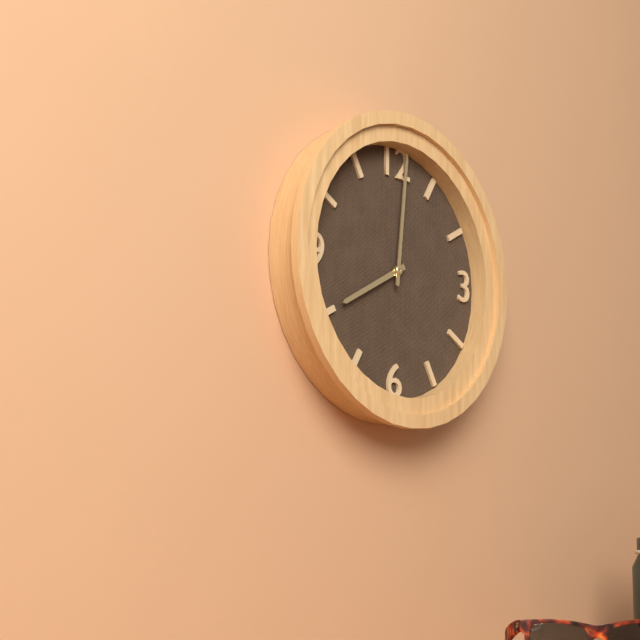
8.01
